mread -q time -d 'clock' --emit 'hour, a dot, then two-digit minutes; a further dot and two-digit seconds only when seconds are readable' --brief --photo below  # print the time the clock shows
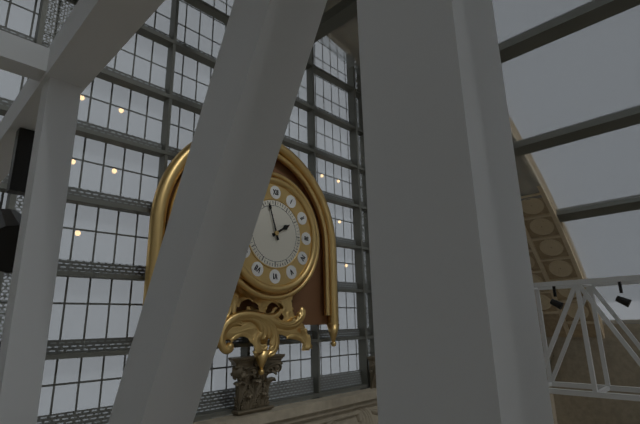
1.57
